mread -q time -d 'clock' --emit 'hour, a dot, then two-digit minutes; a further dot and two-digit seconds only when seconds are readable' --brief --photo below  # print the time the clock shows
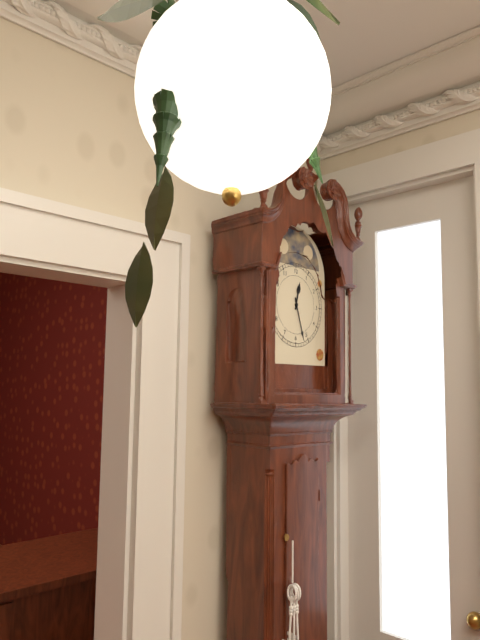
12.27
